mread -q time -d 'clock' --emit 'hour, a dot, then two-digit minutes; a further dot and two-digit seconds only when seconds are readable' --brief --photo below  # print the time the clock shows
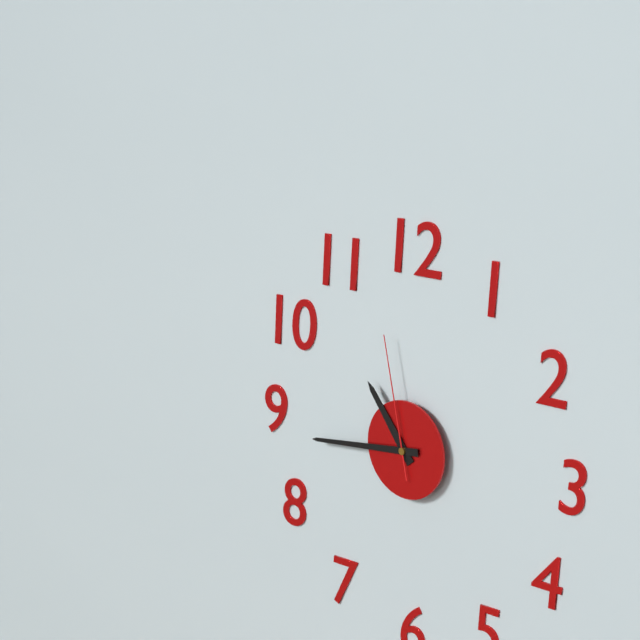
10.44.58
